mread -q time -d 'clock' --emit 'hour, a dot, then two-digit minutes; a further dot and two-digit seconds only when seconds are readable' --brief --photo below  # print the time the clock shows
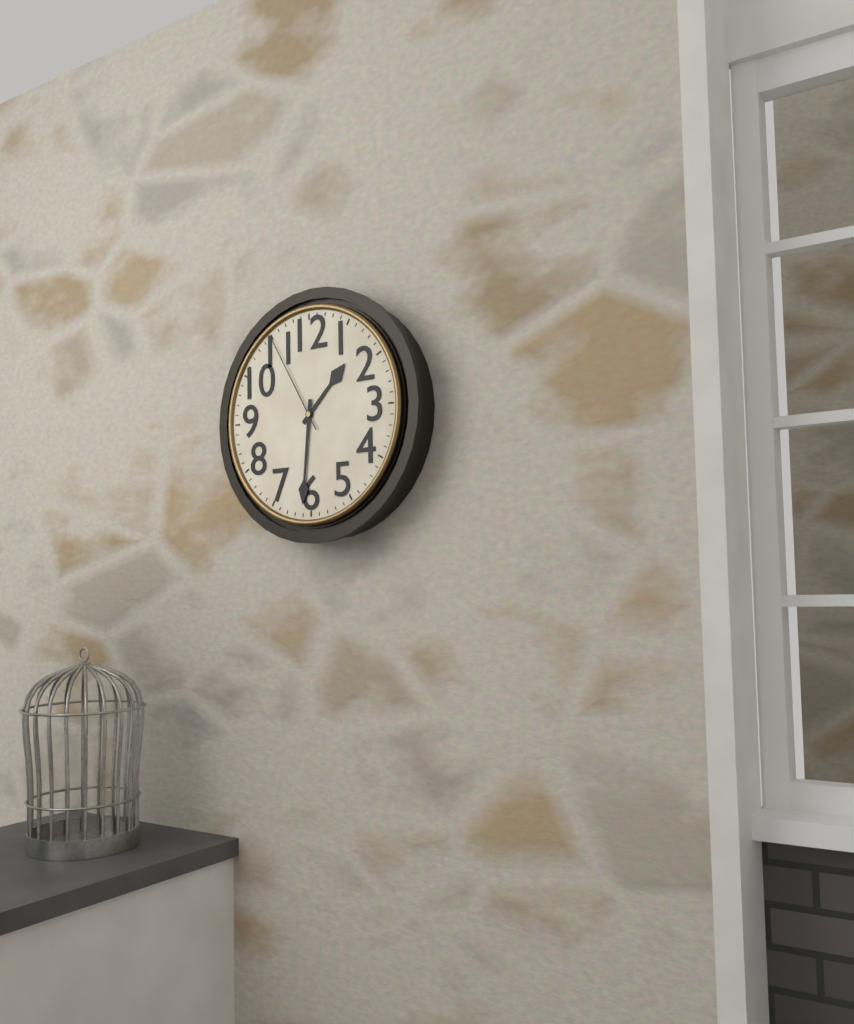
1.31.55
